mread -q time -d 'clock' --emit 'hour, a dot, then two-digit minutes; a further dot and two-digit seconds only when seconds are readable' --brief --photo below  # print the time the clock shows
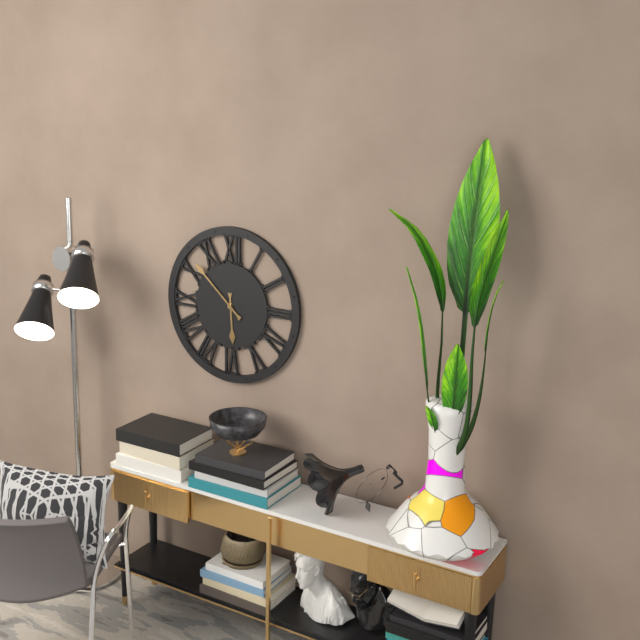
5.52
